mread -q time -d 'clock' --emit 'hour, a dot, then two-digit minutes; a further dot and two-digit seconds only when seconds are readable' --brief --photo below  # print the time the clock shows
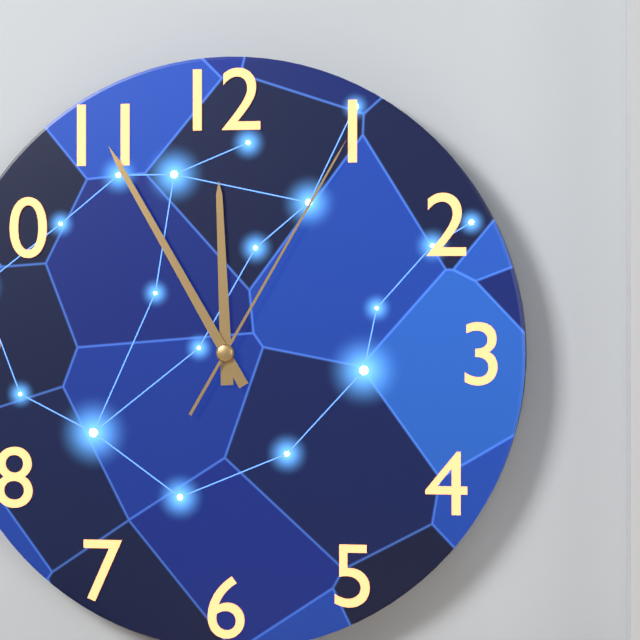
11.55.05
